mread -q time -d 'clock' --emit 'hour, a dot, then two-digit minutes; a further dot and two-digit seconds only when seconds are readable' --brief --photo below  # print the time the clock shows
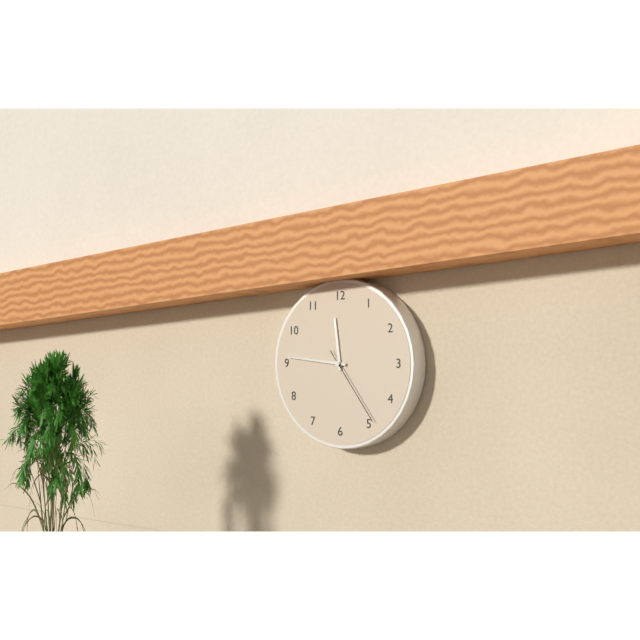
11.46.24
